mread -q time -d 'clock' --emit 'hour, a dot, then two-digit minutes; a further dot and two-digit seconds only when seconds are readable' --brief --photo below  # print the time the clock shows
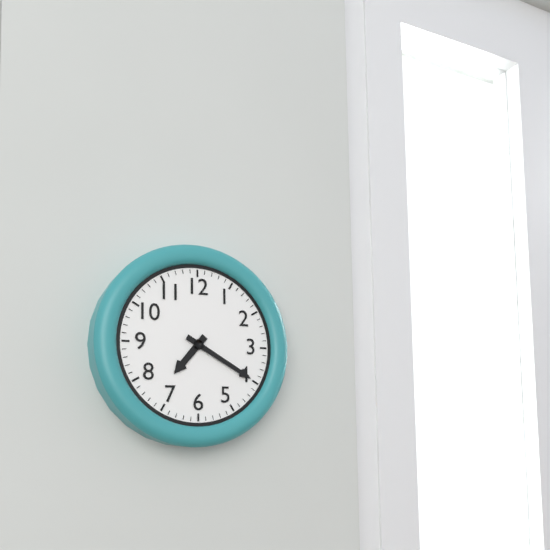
7.20
